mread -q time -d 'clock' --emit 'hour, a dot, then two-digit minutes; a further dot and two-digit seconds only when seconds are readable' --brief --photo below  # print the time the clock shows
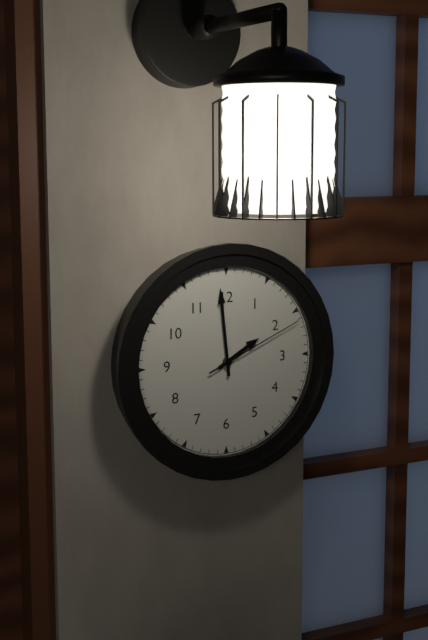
1.59.11
